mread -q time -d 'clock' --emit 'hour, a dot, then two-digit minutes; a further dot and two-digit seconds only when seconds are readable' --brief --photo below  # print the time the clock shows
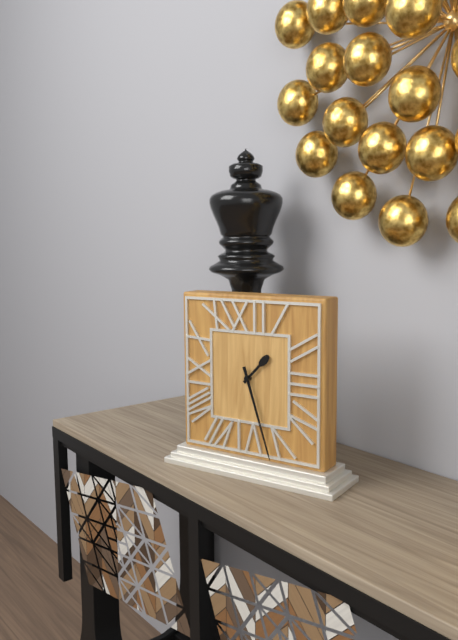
1.27
